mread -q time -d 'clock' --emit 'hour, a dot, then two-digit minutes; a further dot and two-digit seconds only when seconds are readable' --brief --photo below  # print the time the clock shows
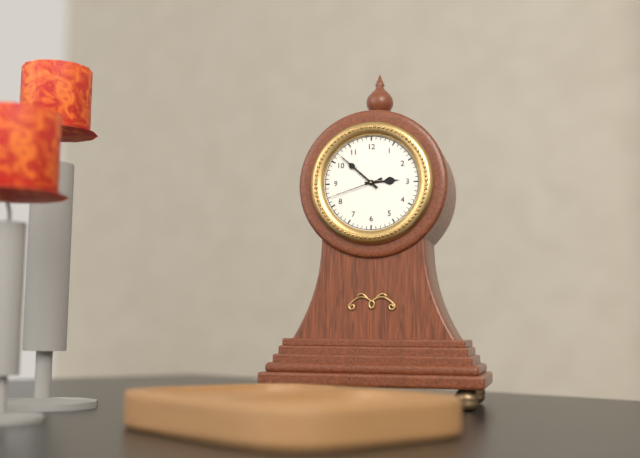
2.52.42
